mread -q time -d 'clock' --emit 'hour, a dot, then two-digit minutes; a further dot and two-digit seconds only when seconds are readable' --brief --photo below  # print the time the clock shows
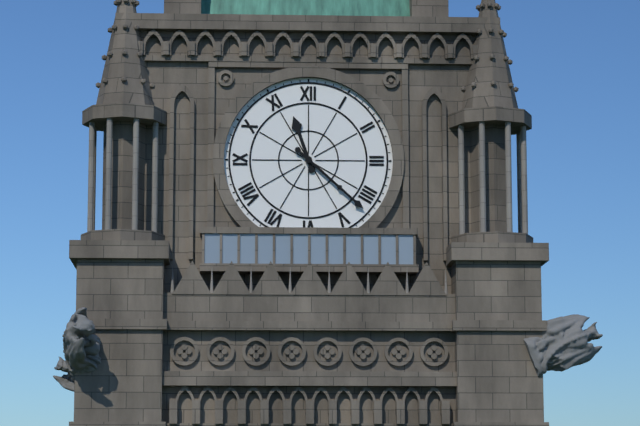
11.22
